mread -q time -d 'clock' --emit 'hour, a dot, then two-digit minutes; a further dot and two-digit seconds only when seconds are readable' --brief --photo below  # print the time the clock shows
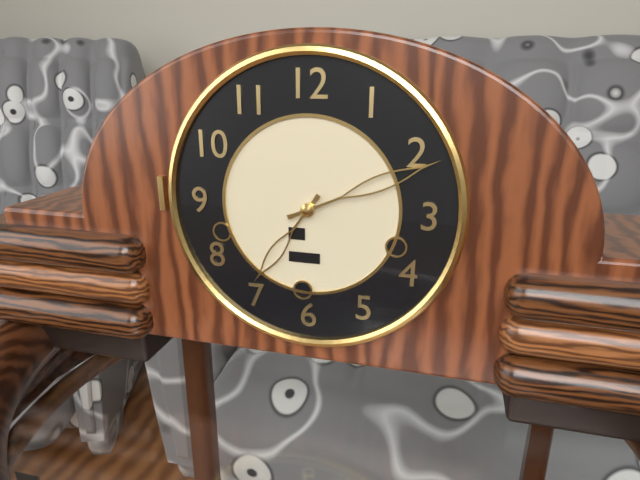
7.11
